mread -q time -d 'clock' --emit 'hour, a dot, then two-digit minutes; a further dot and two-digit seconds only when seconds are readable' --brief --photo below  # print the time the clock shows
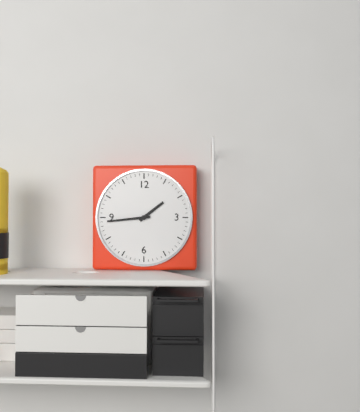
1.44
